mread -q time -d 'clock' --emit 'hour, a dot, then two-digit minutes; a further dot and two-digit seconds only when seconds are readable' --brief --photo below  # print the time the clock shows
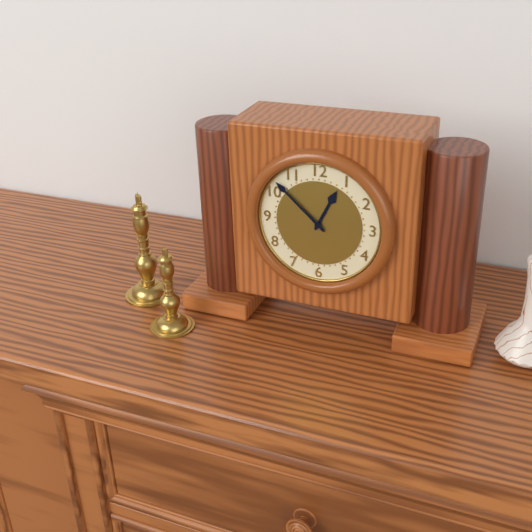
12.52
